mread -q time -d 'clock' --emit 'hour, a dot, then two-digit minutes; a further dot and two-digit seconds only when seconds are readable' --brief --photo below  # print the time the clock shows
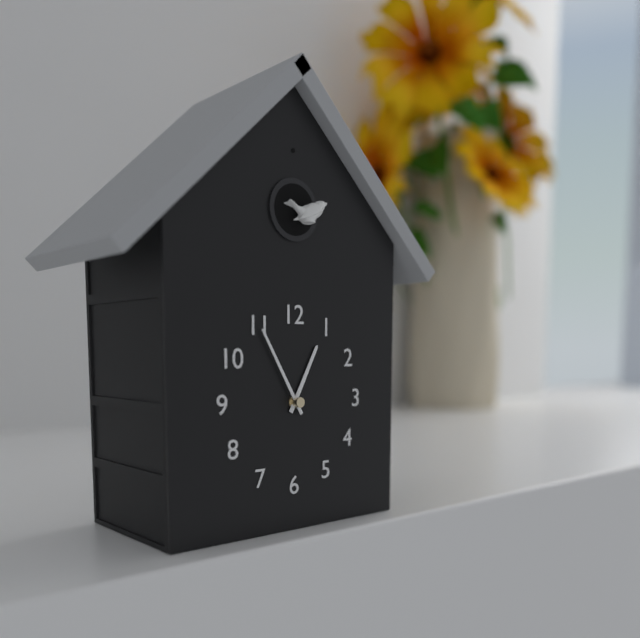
12.55
